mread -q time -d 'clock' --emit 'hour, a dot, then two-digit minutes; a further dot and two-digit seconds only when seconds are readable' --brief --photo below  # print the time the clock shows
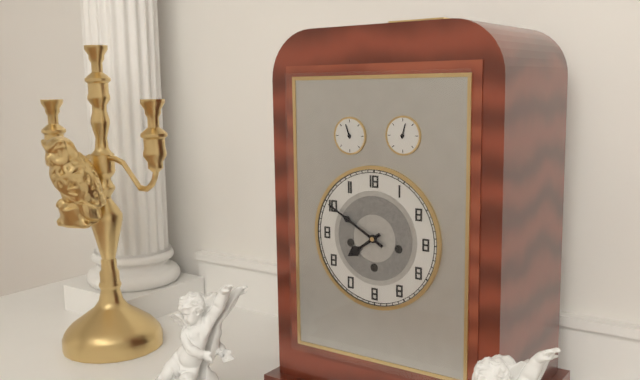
7.50
